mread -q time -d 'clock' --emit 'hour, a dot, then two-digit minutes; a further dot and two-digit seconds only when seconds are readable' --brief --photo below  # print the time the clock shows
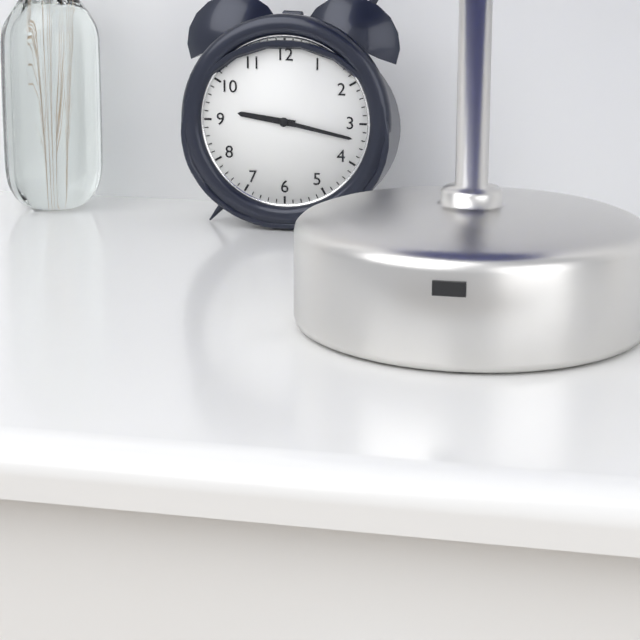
9.17
